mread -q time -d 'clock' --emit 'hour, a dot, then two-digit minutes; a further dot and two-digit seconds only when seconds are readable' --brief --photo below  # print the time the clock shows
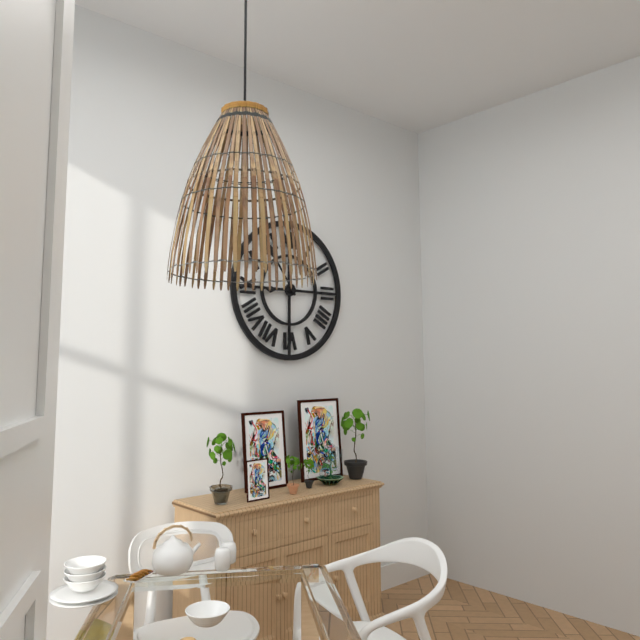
8.54
